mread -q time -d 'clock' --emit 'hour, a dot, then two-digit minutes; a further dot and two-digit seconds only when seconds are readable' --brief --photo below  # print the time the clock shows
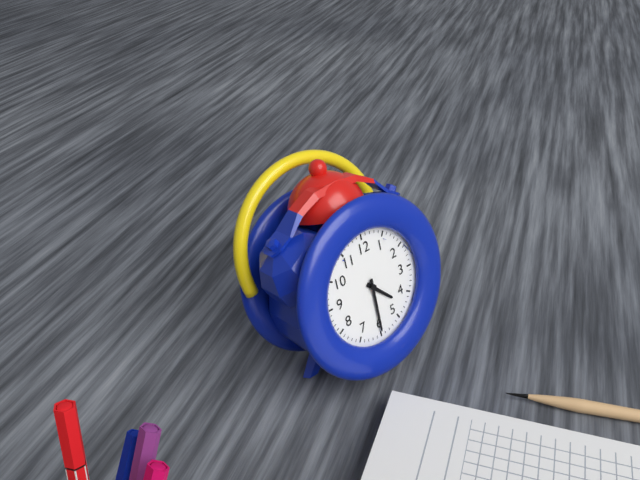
4.30
